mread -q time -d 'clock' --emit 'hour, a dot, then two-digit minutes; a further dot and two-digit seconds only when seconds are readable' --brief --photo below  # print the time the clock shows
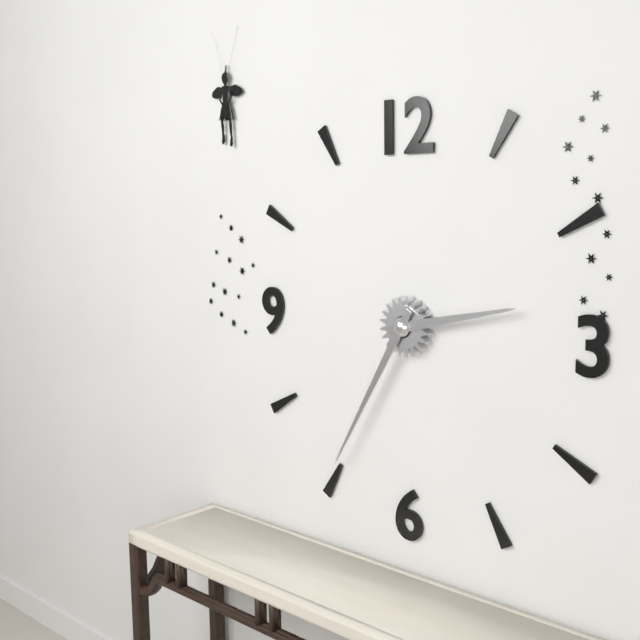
2.35
